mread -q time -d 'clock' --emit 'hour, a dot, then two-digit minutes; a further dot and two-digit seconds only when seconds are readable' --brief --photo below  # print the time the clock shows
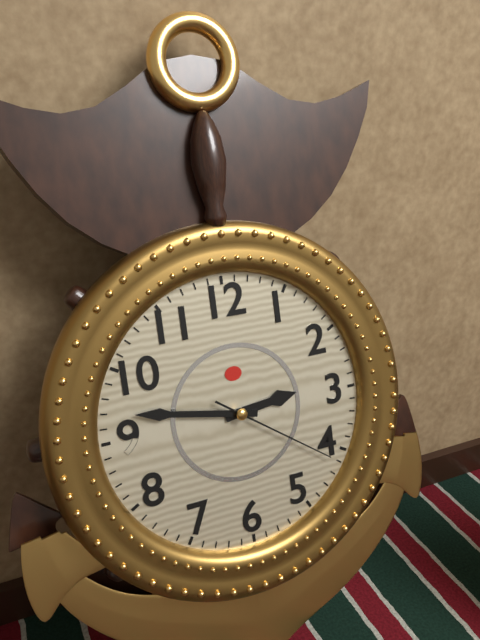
2.47.21
